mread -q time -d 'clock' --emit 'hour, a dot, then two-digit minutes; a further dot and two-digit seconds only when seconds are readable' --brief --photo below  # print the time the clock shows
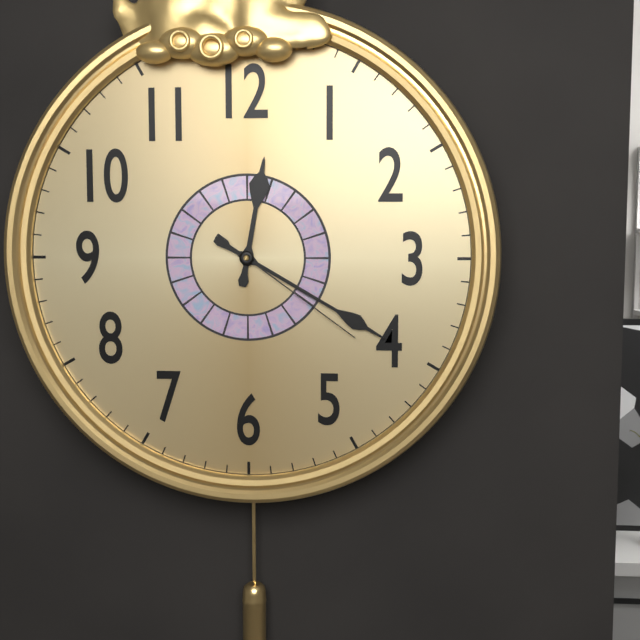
12.20.21
